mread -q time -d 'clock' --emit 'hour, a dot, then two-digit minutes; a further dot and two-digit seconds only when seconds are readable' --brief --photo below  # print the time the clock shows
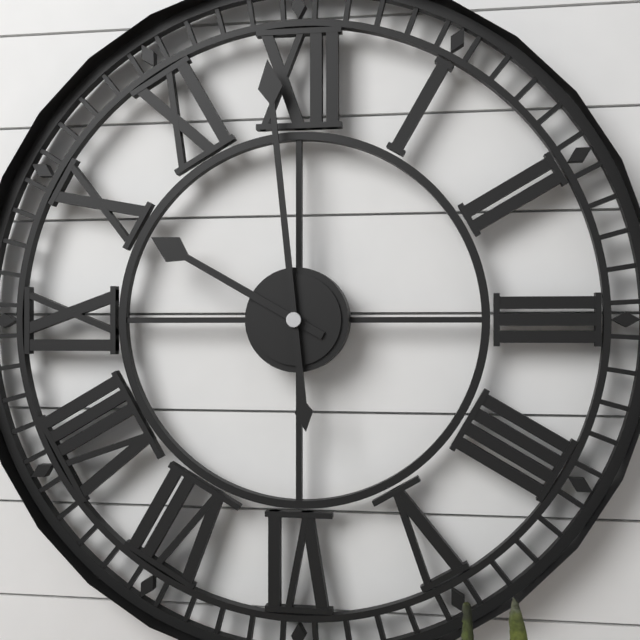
9.59
